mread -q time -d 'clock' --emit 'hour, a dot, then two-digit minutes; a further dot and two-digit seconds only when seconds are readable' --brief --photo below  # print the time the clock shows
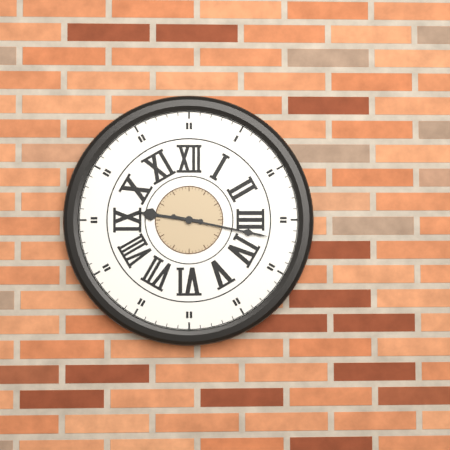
9.17
